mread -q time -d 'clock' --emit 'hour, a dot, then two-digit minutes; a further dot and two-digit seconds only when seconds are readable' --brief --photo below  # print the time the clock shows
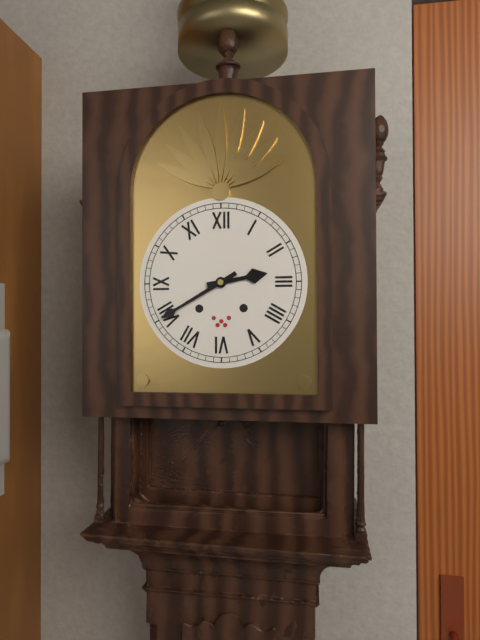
2.40
